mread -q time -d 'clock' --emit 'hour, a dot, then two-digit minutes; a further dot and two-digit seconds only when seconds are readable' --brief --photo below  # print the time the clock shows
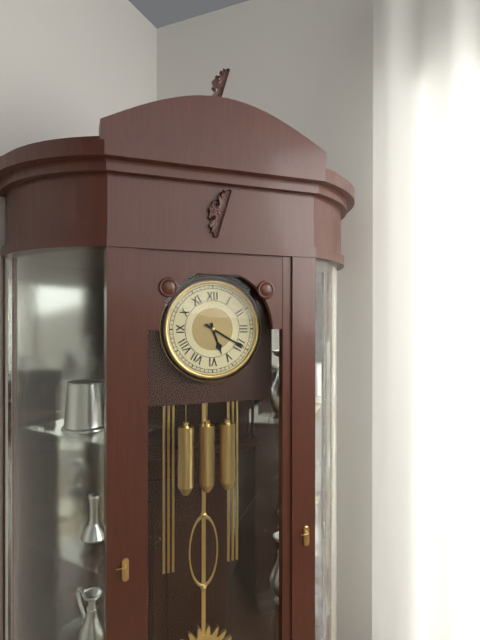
5.20
